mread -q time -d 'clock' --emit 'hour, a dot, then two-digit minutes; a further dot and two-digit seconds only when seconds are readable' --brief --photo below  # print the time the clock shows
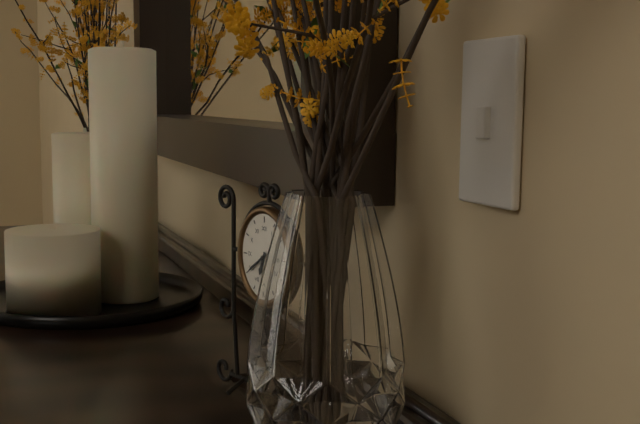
6.39
